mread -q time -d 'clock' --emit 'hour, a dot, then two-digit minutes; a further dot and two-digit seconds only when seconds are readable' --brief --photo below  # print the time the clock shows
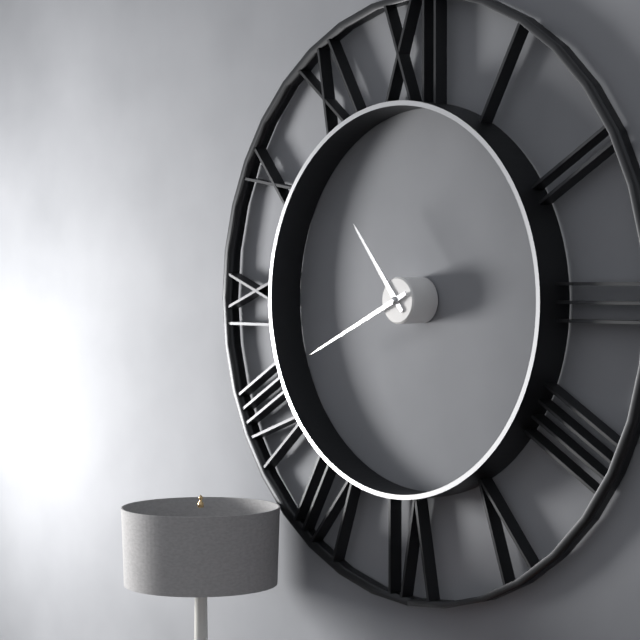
10.41
